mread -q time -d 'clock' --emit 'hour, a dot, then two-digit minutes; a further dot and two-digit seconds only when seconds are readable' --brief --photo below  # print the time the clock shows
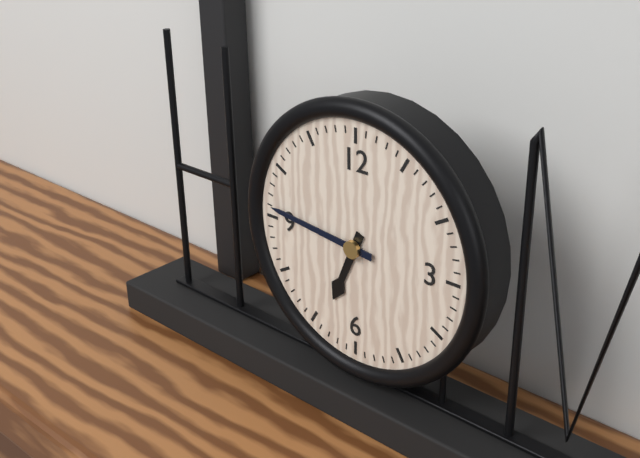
6.46
